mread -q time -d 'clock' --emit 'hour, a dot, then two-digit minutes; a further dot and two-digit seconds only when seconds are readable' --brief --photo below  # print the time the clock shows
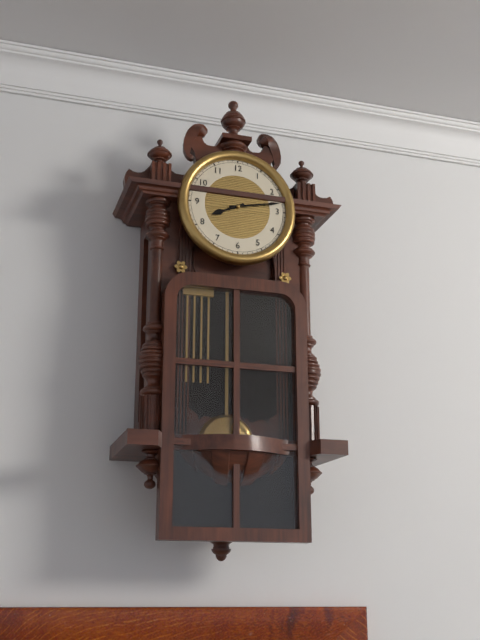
8.13
